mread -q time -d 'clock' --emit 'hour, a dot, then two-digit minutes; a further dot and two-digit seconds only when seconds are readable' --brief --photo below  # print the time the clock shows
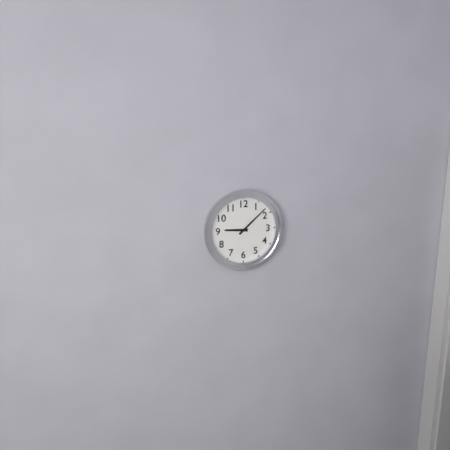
9.08
